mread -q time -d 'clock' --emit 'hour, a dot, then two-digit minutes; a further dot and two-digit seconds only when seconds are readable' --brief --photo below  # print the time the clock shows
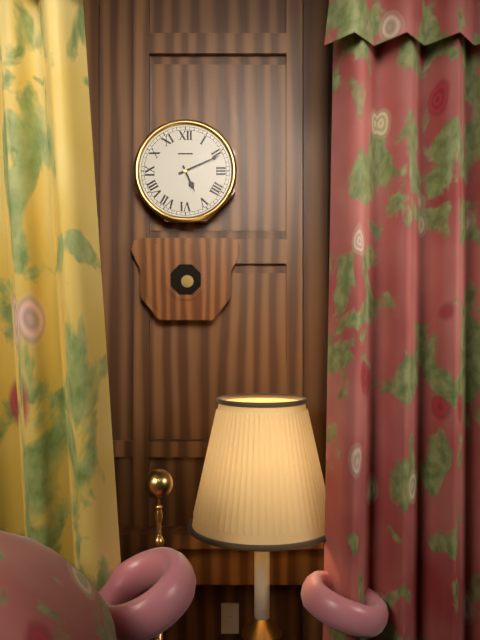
5.11
